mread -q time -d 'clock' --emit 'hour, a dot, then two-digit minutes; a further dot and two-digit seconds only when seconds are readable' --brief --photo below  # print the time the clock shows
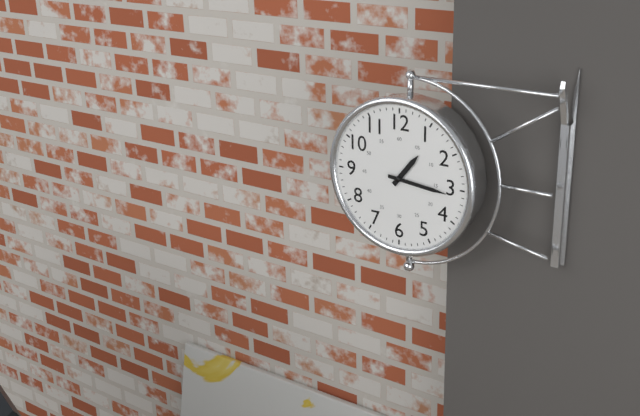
1.16
